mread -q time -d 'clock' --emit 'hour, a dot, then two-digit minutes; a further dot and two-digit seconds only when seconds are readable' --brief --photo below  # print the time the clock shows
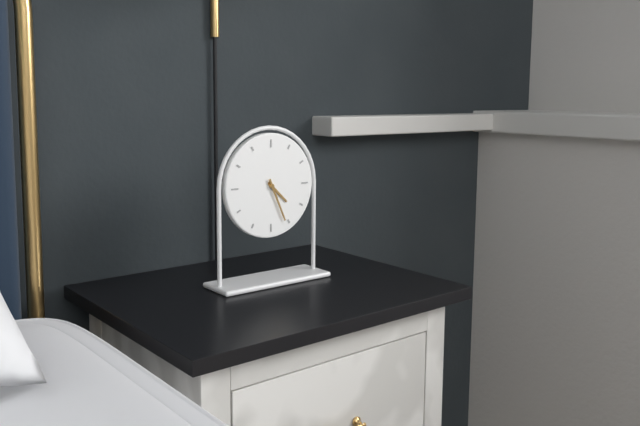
4.26
